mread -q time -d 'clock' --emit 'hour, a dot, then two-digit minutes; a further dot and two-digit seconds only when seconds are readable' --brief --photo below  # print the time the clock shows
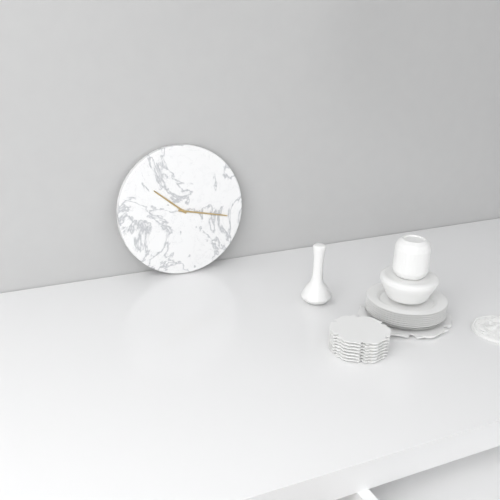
10.17
